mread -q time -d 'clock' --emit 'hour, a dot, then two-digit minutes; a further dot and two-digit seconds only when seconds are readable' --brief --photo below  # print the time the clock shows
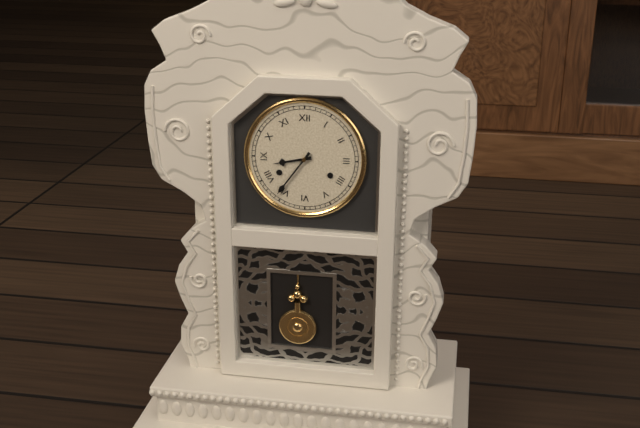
8.36
